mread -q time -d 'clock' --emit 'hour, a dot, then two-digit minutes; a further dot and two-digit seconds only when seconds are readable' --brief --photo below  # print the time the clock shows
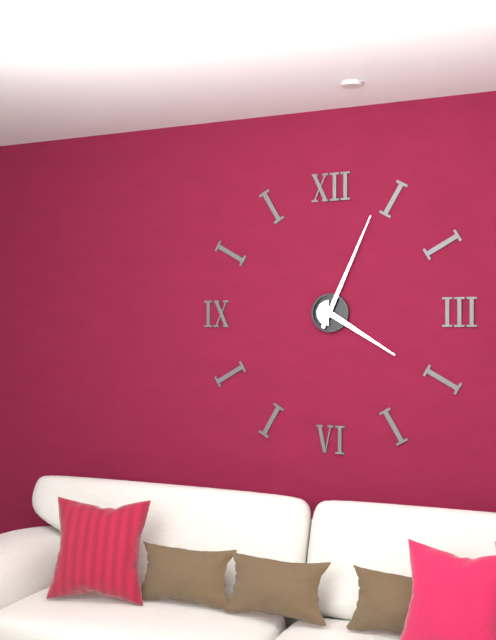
4.04
